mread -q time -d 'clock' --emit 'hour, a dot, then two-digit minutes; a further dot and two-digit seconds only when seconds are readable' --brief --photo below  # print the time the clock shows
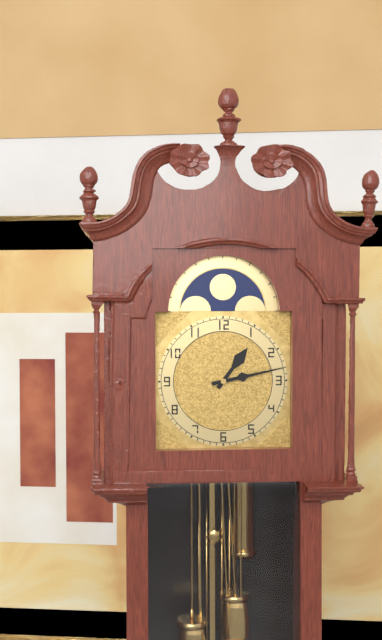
1.13
